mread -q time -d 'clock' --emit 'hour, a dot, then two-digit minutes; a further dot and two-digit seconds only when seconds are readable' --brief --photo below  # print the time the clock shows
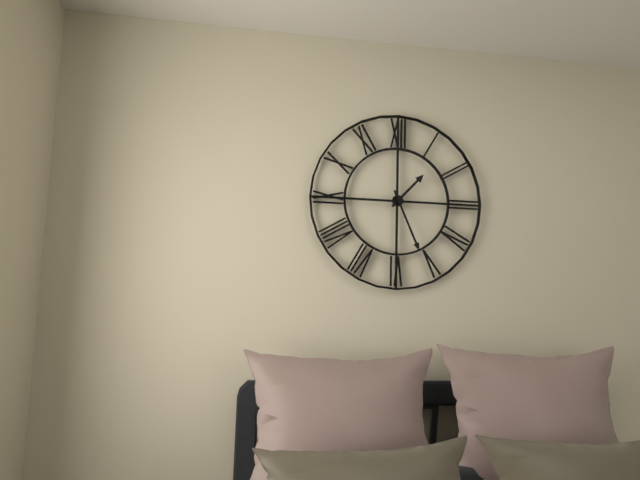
1.26
